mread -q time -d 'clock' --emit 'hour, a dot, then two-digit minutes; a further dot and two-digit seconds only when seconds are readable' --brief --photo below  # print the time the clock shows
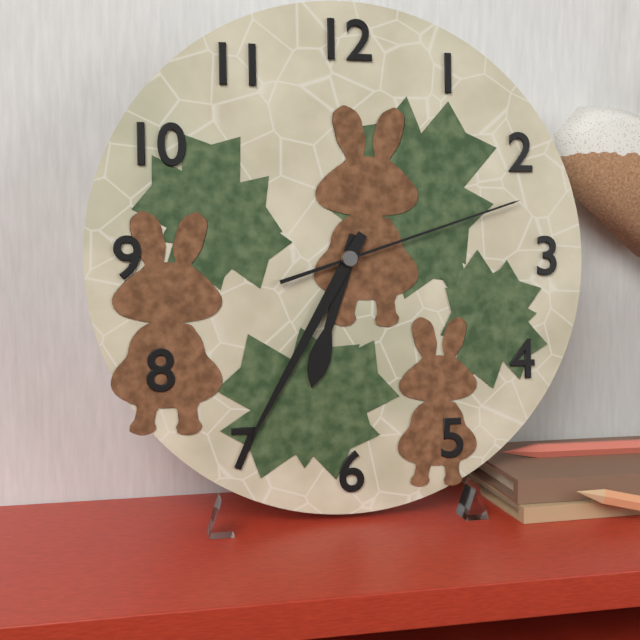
6.35.12
